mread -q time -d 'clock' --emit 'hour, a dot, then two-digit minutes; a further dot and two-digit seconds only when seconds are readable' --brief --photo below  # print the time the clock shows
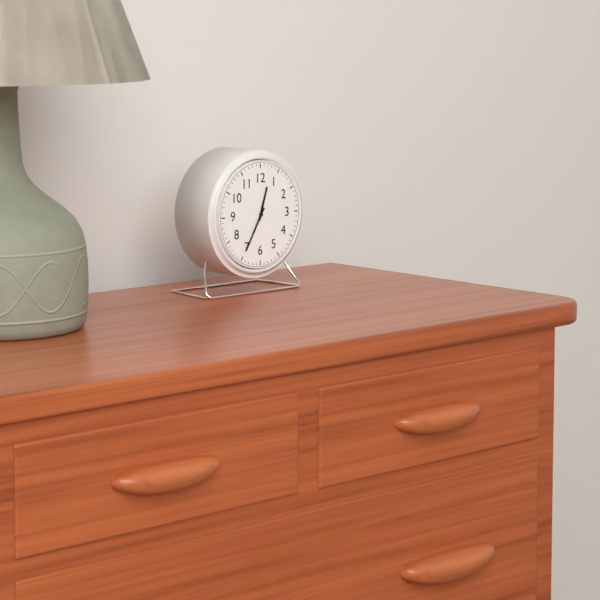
12.35
